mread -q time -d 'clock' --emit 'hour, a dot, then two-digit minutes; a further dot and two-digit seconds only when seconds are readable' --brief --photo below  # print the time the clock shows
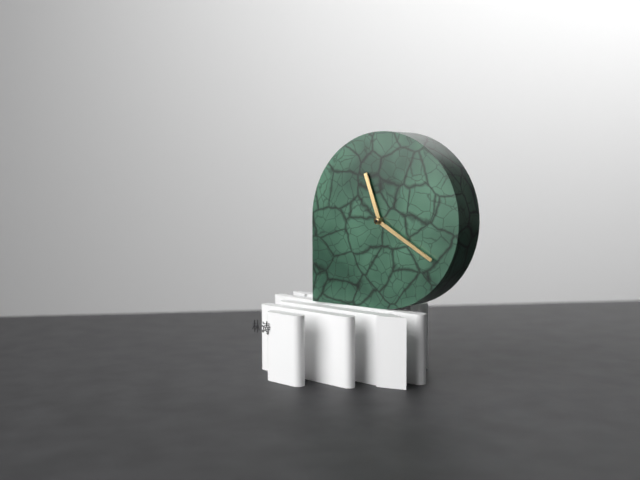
11.20
